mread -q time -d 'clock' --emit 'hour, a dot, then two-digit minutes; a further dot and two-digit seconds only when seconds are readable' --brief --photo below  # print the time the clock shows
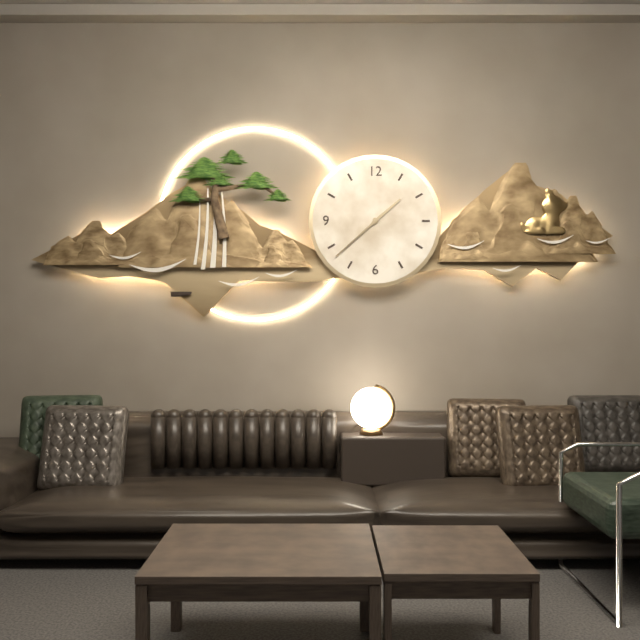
1.38
